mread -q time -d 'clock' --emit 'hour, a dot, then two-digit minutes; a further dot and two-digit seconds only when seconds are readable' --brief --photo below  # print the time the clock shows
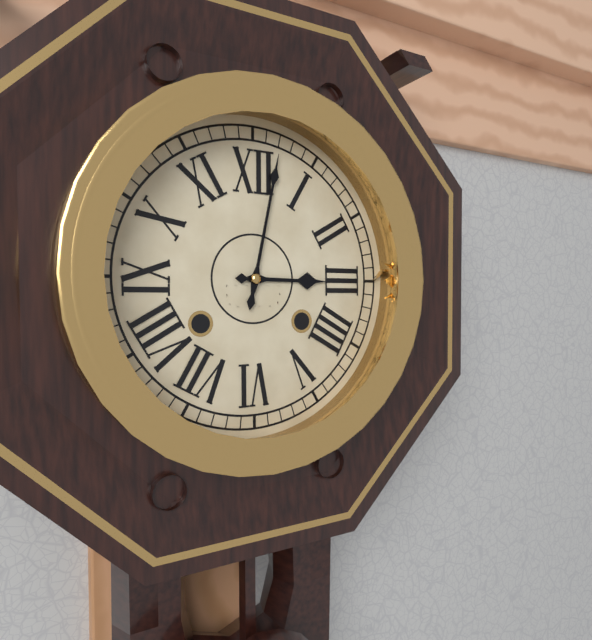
3.02
